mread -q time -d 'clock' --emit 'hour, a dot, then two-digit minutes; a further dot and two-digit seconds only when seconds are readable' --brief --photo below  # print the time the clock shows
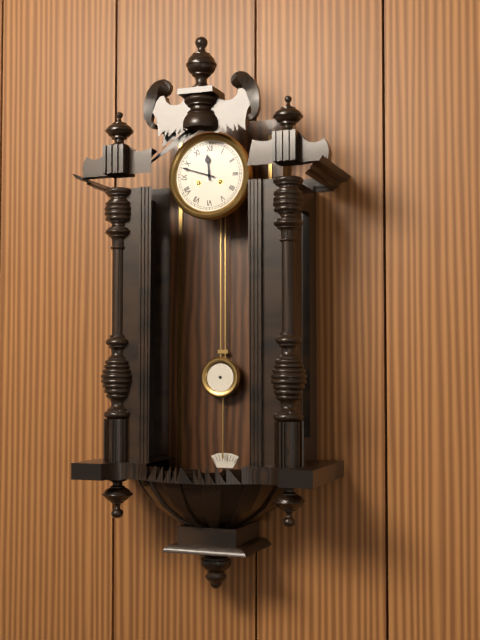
11.48
